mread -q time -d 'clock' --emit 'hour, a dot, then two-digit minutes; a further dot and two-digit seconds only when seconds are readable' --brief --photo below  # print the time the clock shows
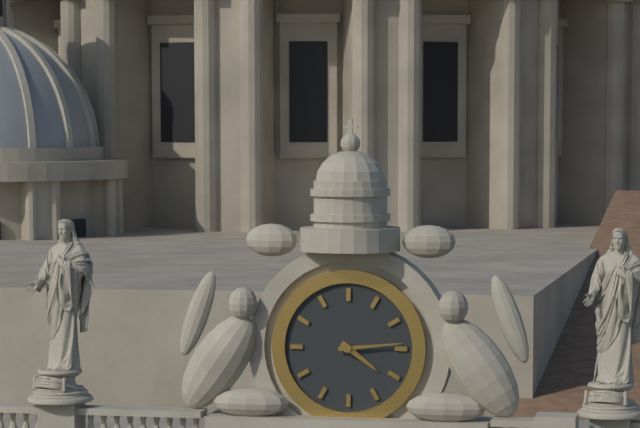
4.14
